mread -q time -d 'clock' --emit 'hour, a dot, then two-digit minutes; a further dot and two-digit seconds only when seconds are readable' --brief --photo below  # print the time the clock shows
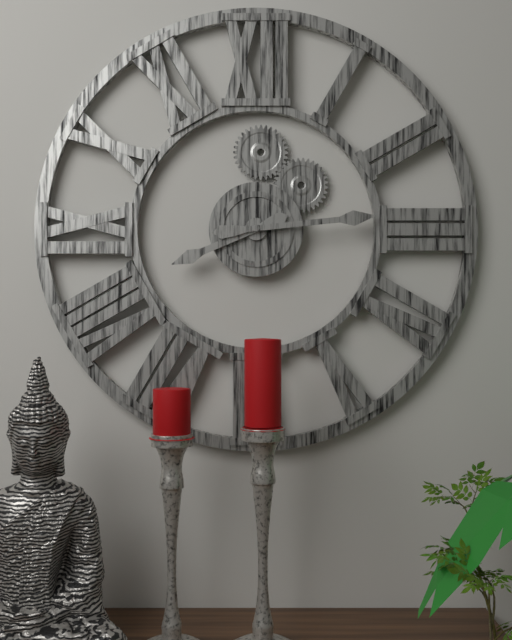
8.14
